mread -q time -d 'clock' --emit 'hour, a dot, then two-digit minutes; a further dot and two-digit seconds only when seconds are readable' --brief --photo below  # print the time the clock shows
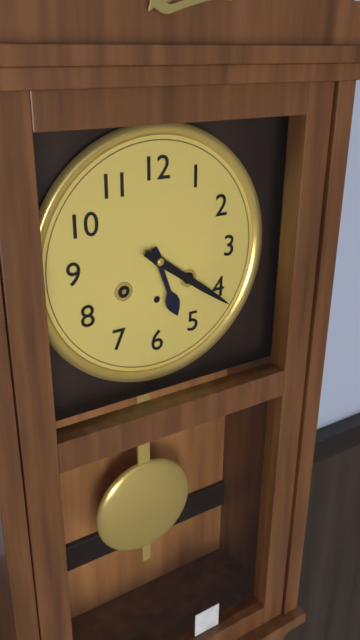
5.21
